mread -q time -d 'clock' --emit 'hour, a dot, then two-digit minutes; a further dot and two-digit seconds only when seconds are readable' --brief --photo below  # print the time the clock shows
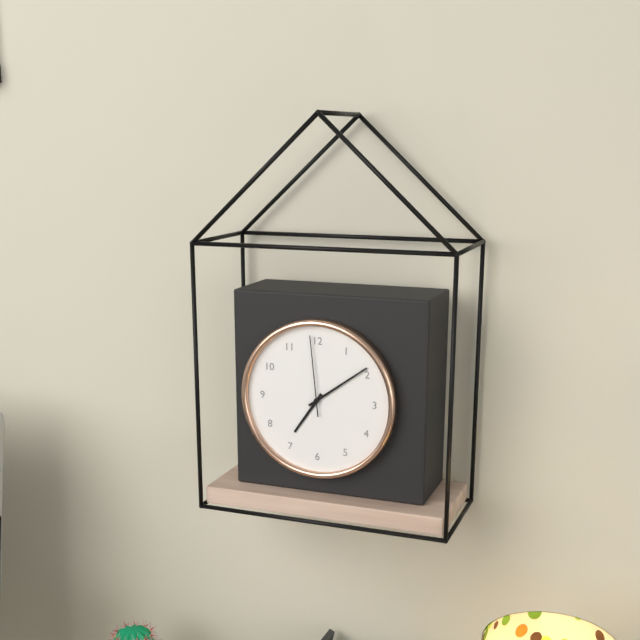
7.09.59
